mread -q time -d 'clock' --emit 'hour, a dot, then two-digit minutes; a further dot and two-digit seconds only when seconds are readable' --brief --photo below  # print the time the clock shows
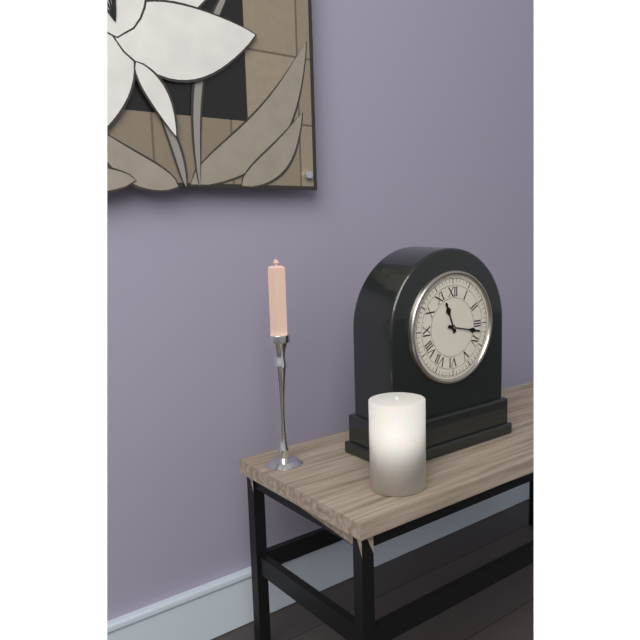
11.17
